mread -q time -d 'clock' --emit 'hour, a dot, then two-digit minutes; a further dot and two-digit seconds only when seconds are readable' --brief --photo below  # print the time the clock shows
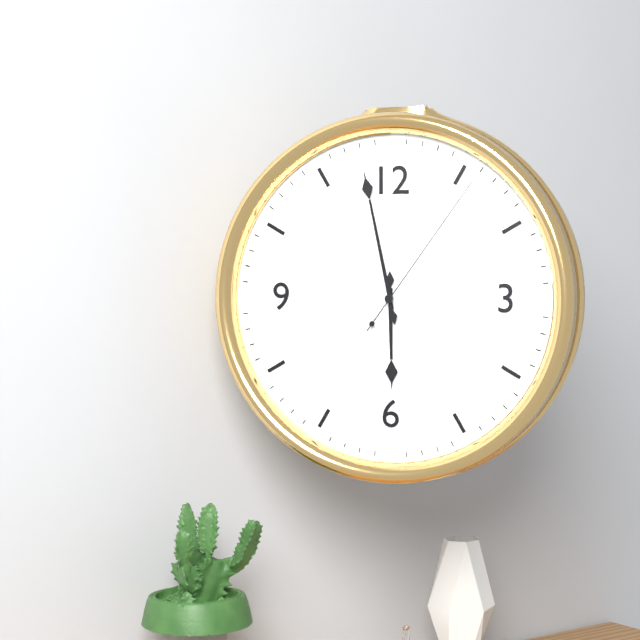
5.58.06
